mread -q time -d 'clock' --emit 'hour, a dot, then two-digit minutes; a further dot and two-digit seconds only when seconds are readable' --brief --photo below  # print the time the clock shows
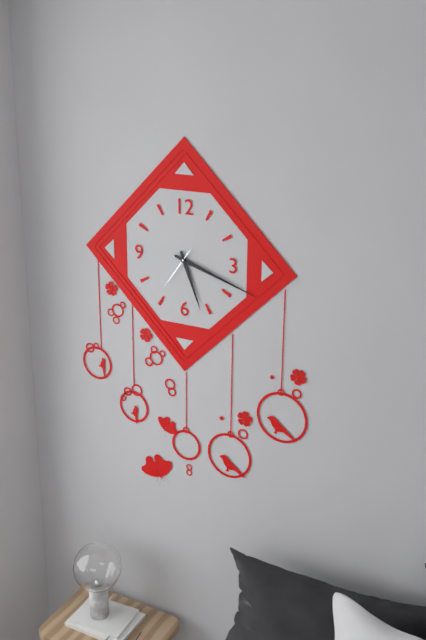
5.18
